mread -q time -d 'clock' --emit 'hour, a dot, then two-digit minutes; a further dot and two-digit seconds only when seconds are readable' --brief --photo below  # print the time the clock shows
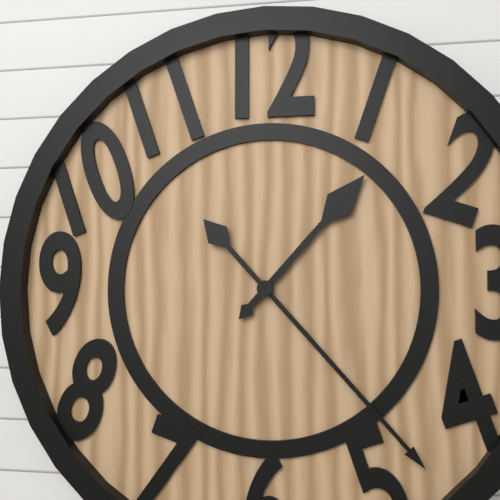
1.23
